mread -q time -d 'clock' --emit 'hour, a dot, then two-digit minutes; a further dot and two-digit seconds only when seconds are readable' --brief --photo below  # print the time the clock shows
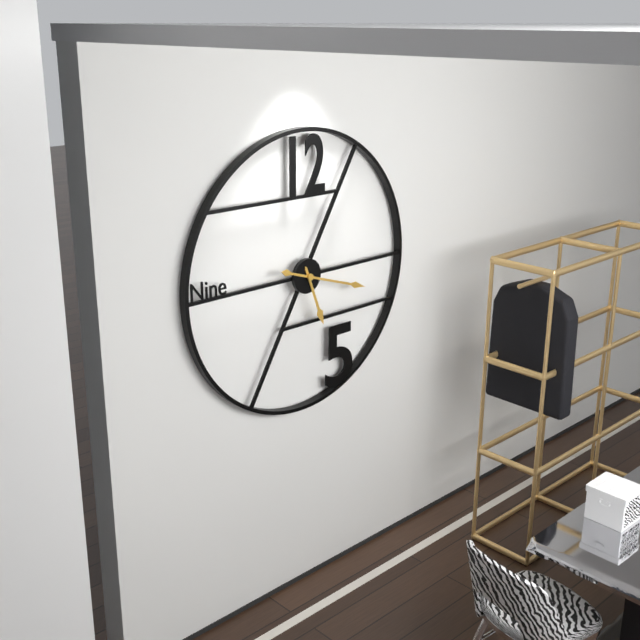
5.18
